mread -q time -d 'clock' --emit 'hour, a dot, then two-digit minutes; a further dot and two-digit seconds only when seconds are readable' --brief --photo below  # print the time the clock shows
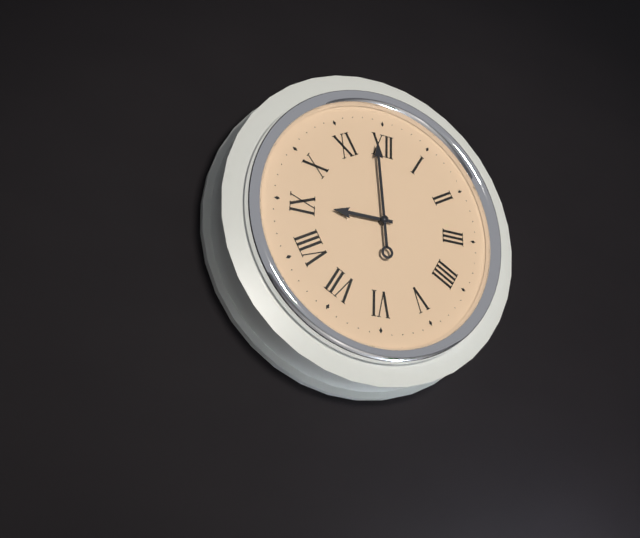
8.59
